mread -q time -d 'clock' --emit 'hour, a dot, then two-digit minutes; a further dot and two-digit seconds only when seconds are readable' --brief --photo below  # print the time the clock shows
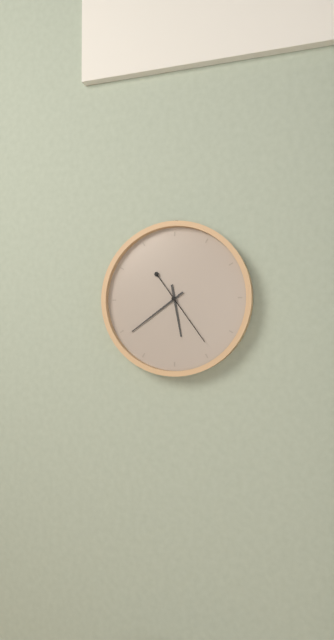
5.39.24
